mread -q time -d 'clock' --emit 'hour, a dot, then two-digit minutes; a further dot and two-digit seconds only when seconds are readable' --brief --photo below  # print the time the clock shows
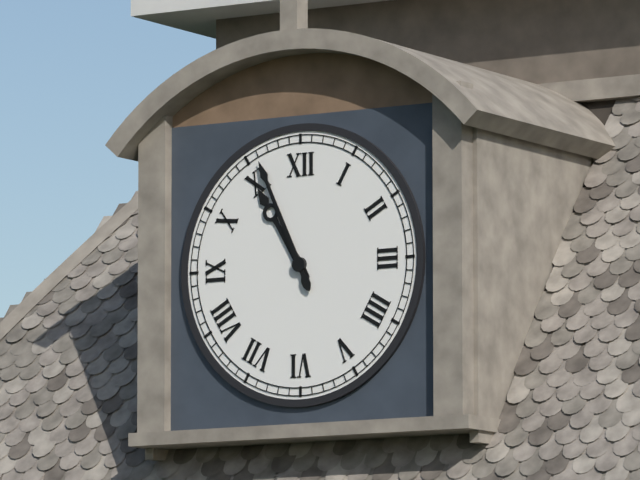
10.56
